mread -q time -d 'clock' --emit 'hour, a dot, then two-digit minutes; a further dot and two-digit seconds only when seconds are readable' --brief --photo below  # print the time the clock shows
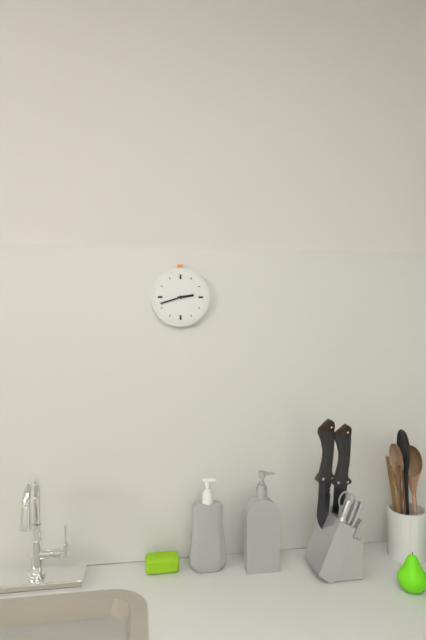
2.42
